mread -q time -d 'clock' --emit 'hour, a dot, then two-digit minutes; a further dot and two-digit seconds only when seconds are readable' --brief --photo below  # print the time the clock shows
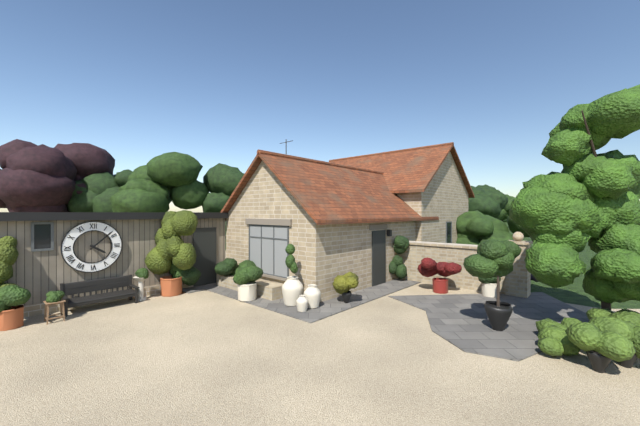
4.08
